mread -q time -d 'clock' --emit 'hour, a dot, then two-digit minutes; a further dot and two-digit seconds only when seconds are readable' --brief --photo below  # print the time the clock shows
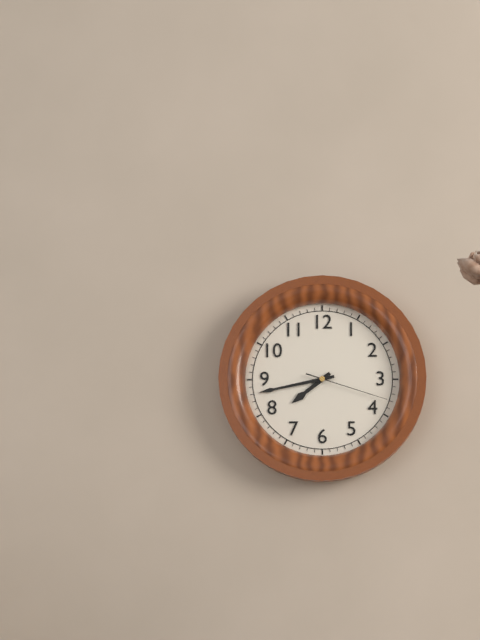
7.43.18
